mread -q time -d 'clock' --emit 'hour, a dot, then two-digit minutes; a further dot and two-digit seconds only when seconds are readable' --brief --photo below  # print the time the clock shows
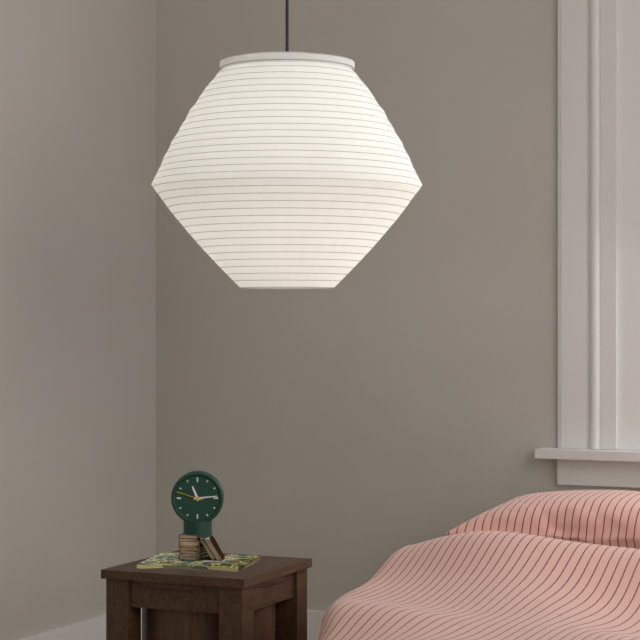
11.14
